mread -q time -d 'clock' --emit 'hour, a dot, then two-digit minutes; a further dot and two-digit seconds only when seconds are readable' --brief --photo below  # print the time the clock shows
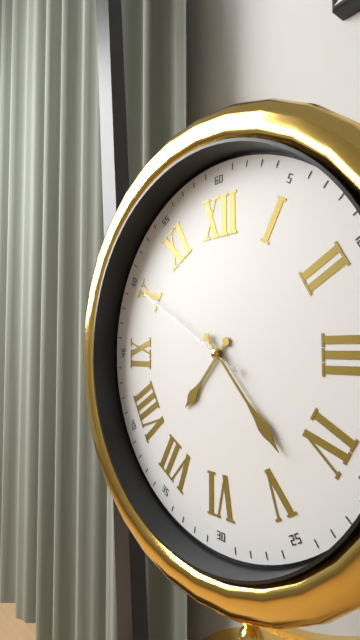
7.23.50
